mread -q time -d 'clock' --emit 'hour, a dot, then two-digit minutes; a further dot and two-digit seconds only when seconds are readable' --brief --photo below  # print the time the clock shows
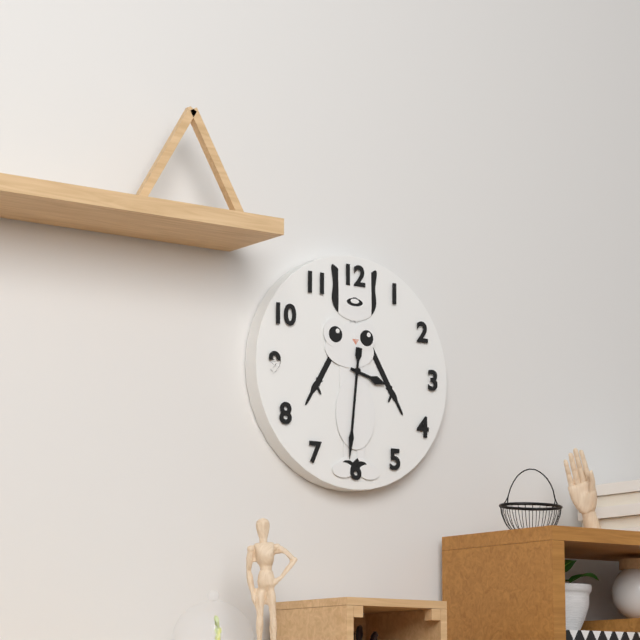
3.31
